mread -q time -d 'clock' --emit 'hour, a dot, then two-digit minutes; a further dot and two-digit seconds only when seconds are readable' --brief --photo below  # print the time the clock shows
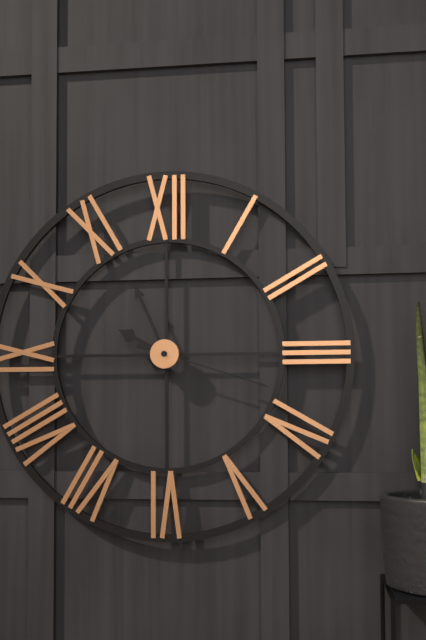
9.56.18
